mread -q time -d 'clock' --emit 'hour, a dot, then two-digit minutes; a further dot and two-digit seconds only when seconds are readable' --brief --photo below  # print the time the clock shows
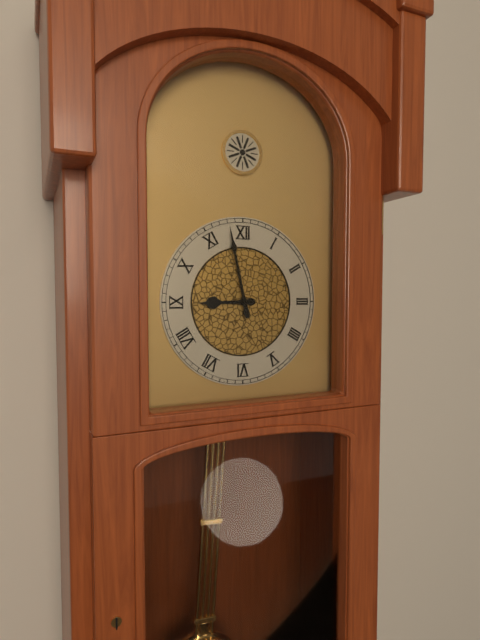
8.58
